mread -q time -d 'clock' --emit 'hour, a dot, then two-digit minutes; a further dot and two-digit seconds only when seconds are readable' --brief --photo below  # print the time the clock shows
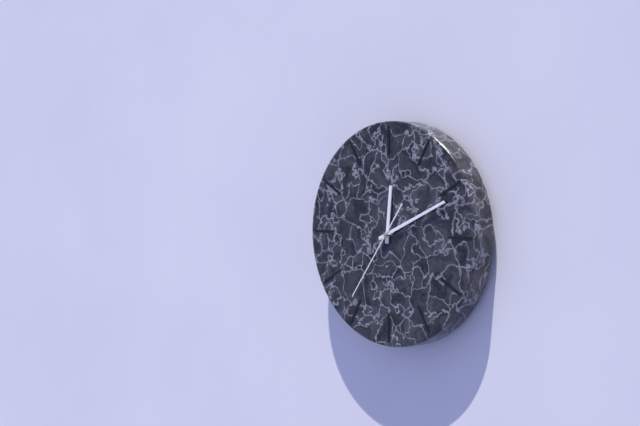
12.11.36
